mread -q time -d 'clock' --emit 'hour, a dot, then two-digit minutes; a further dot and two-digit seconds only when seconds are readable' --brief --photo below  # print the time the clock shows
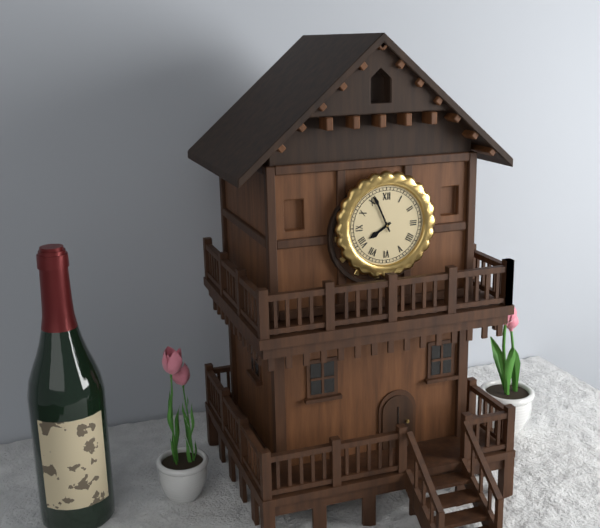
7.56
